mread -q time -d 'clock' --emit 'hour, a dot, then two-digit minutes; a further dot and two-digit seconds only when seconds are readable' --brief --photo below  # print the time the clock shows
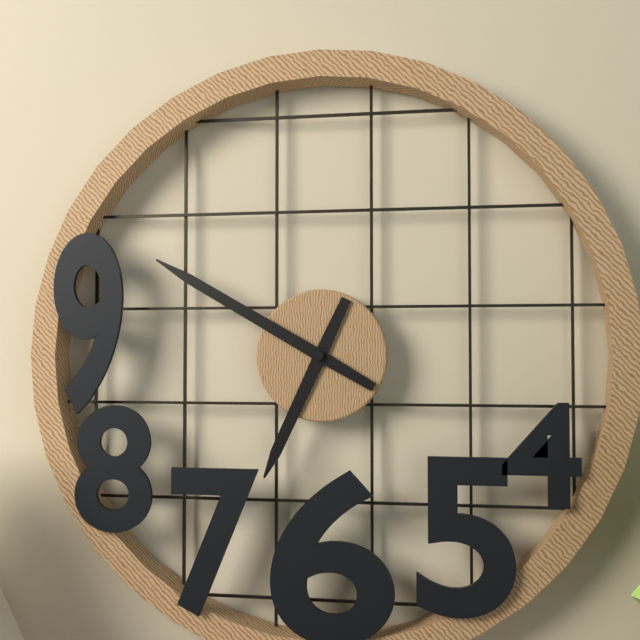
6.50
